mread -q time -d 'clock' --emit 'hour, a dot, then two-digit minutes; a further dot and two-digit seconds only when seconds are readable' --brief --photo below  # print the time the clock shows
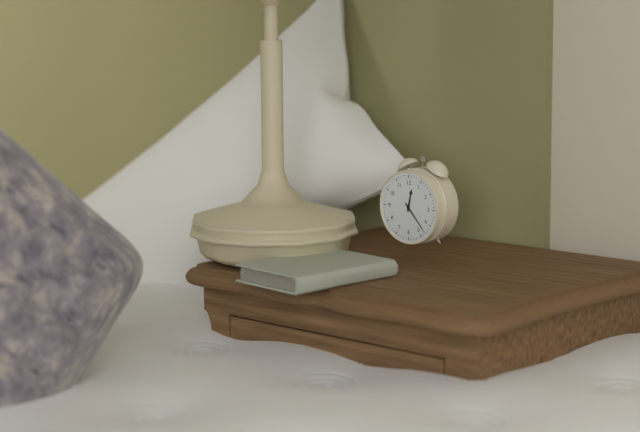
12.23
